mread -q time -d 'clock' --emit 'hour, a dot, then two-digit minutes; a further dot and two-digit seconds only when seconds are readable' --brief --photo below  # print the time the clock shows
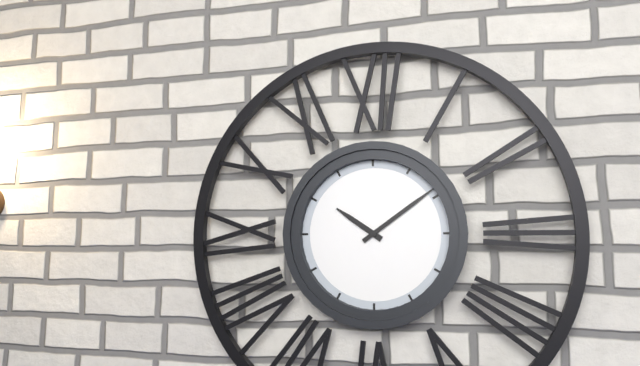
10.09
